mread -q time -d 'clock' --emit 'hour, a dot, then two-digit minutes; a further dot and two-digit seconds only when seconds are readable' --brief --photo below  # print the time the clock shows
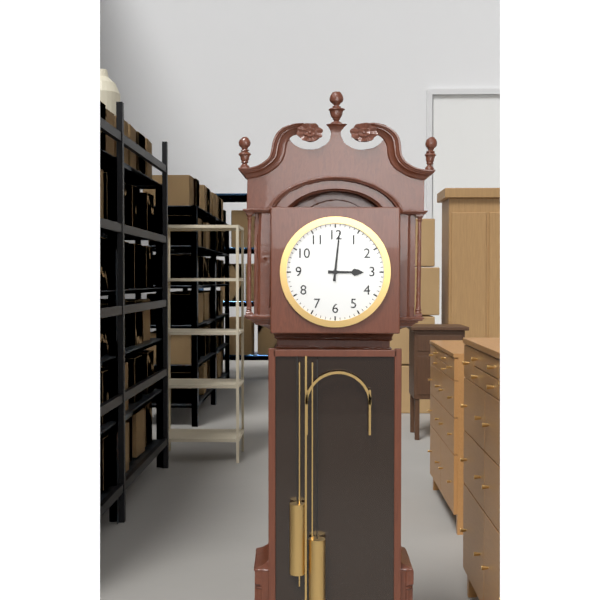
3.01
